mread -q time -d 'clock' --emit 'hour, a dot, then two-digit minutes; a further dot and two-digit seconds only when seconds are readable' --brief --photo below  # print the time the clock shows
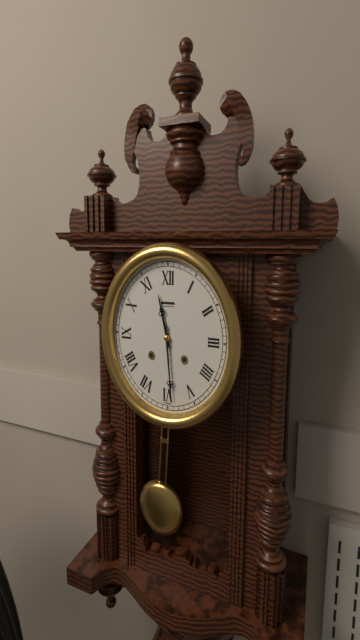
11.29
